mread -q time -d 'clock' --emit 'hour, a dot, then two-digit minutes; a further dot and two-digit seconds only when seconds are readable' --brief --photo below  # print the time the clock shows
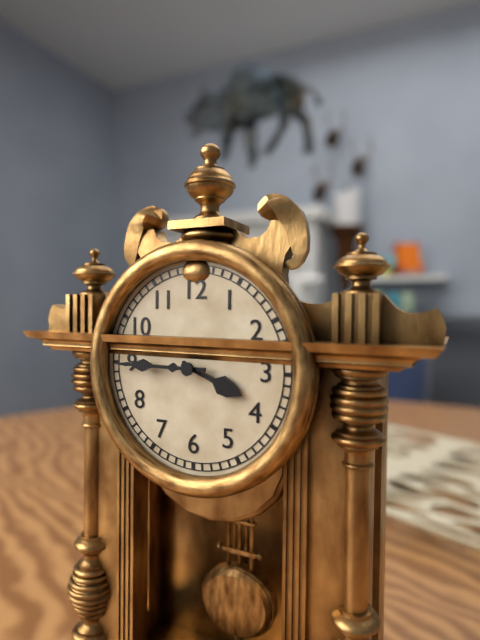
3.45
